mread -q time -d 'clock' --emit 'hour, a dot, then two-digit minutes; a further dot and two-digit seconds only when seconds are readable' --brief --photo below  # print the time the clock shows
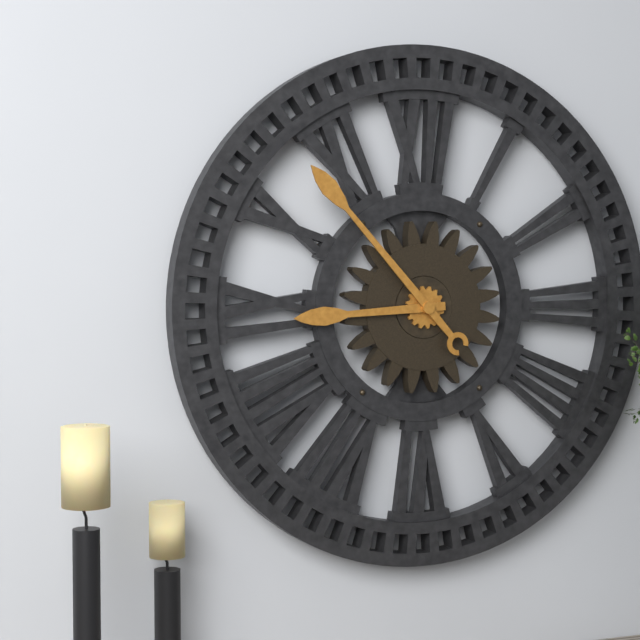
8.53
